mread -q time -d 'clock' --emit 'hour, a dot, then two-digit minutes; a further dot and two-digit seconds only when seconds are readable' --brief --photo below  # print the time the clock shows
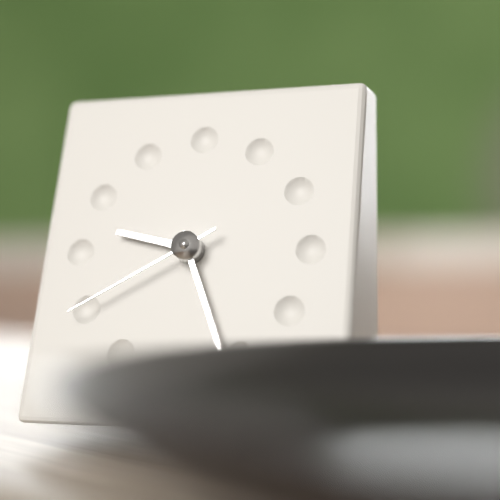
9.26.40
